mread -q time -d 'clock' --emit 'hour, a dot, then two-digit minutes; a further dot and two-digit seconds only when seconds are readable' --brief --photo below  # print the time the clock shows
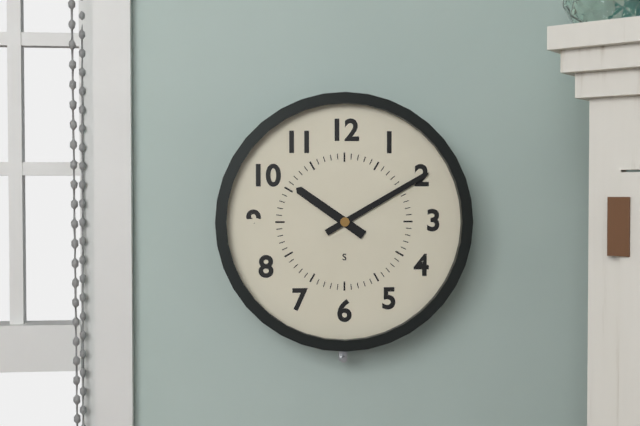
10.10
